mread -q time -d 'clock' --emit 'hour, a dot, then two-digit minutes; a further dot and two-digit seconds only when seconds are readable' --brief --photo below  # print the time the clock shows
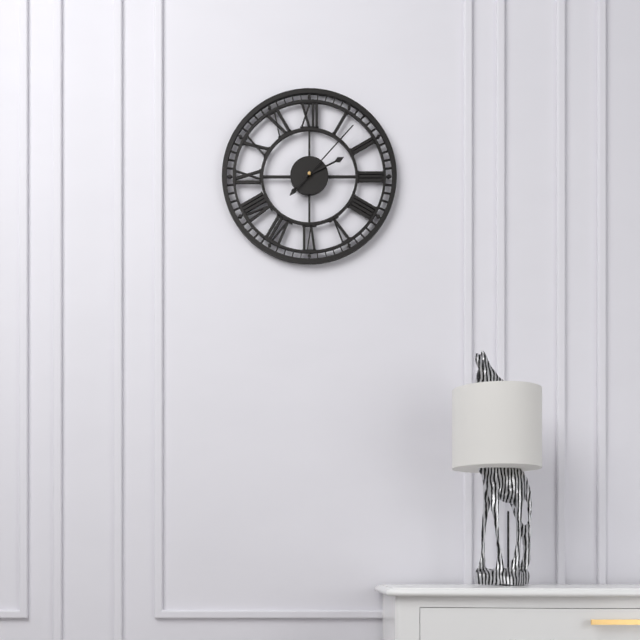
2.07
